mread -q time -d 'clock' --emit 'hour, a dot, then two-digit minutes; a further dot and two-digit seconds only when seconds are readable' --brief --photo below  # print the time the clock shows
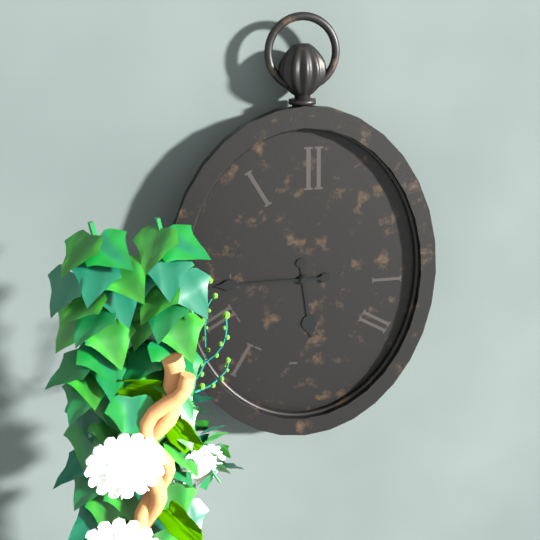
5.45
